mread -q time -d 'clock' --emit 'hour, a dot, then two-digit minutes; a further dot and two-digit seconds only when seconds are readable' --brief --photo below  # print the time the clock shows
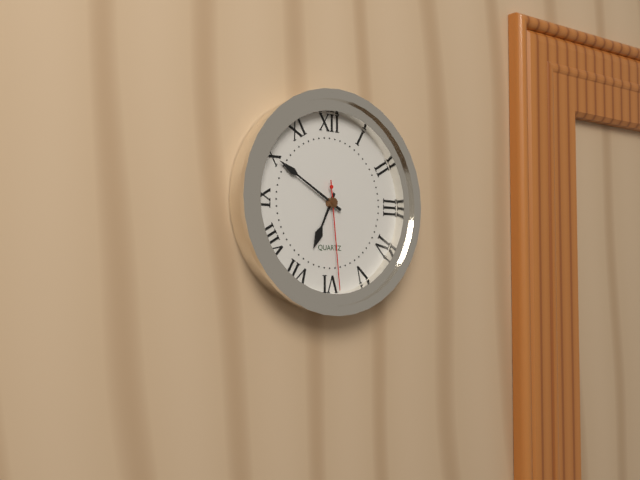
6.50.29
